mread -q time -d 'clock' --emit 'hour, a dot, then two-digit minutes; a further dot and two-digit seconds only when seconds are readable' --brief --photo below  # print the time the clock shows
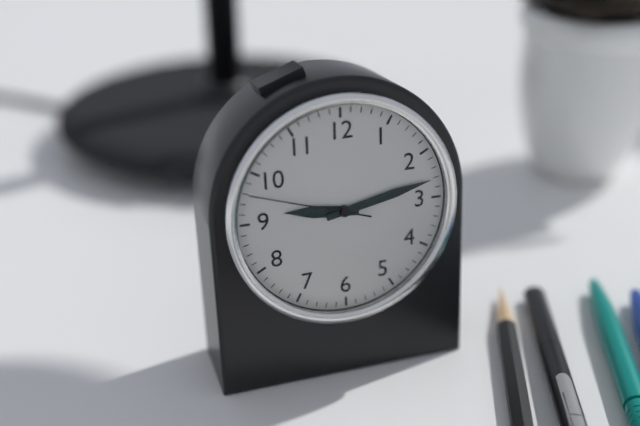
9.13.48
